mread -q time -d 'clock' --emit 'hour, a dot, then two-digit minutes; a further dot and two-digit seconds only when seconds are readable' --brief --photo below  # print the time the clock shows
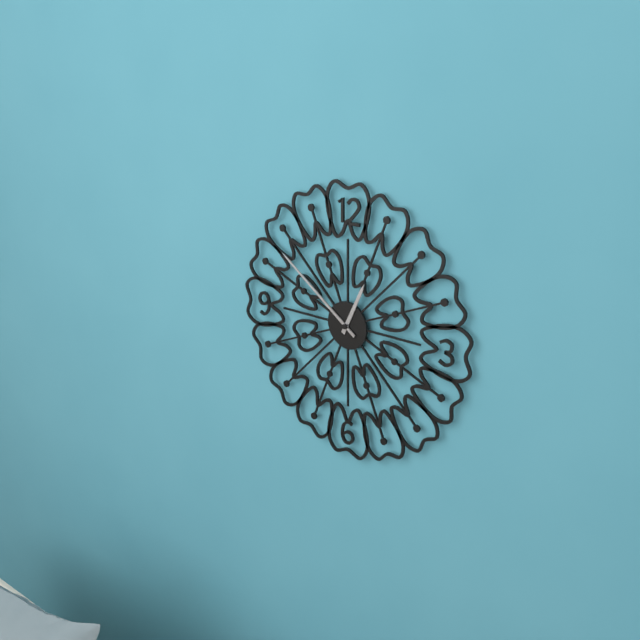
12.51
